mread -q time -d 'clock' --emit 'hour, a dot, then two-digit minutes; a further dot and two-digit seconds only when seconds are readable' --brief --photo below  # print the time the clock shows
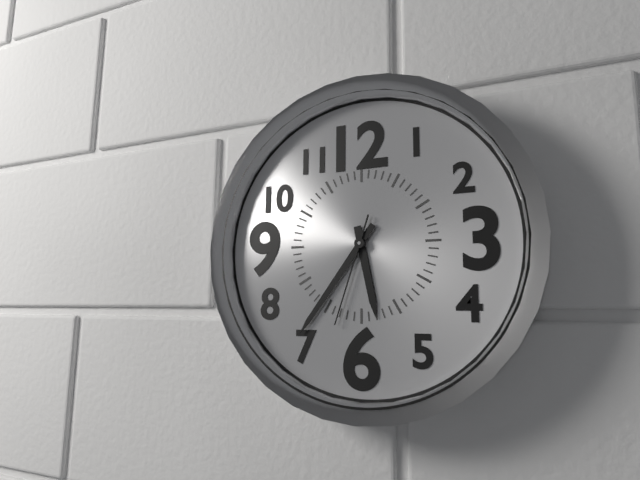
5.36.33
